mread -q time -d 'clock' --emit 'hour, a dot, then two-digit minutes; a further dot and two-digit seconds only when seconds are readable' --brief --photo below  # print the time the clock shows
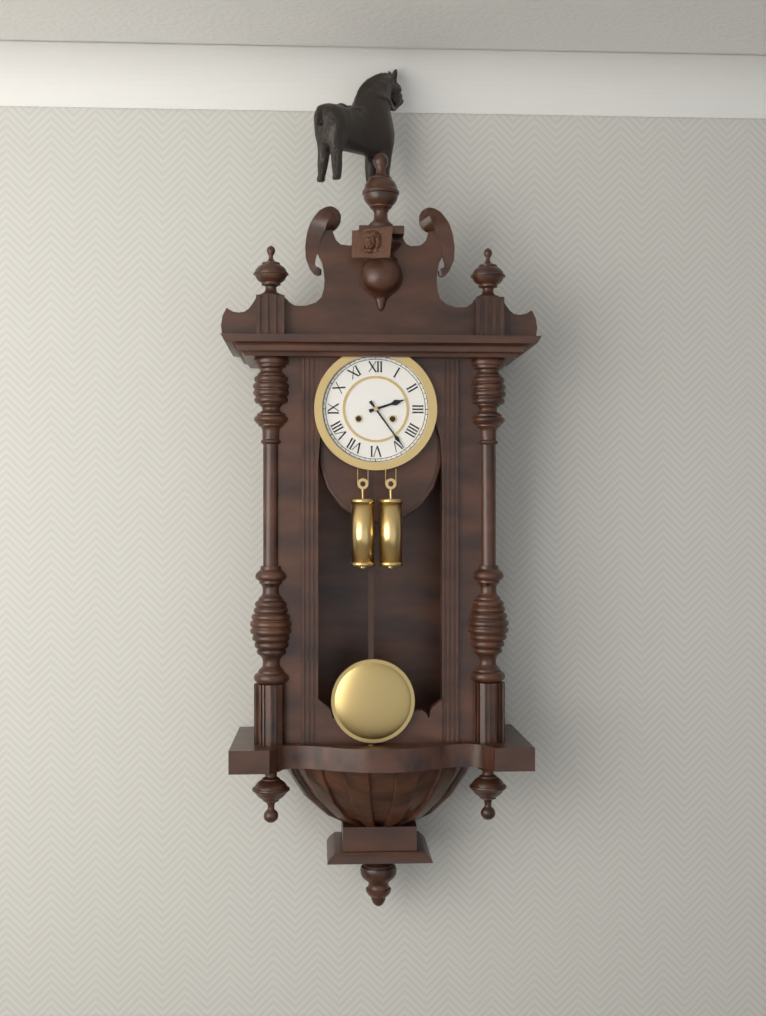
2.24
